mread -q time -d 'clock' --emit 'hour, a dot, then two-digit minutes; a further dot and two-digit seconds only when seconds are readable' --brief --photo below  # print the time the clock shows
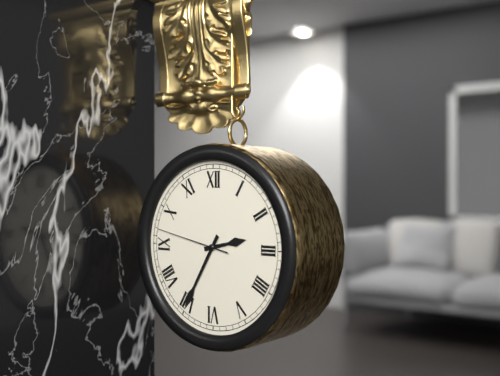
2.35.47
